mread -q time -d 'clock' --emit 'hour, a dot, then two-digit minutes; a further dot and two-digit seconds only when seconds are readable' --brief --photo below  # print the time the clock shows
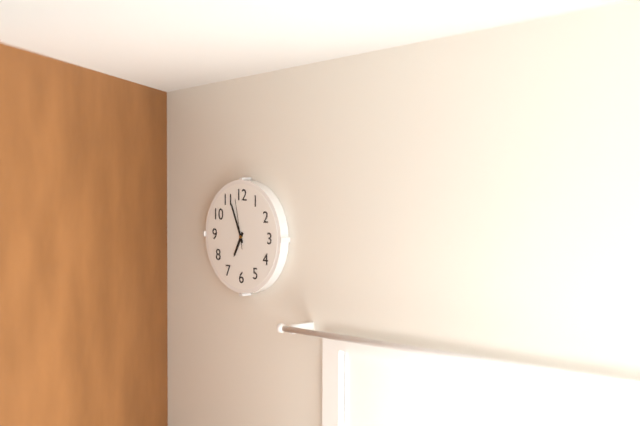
6.56.58
